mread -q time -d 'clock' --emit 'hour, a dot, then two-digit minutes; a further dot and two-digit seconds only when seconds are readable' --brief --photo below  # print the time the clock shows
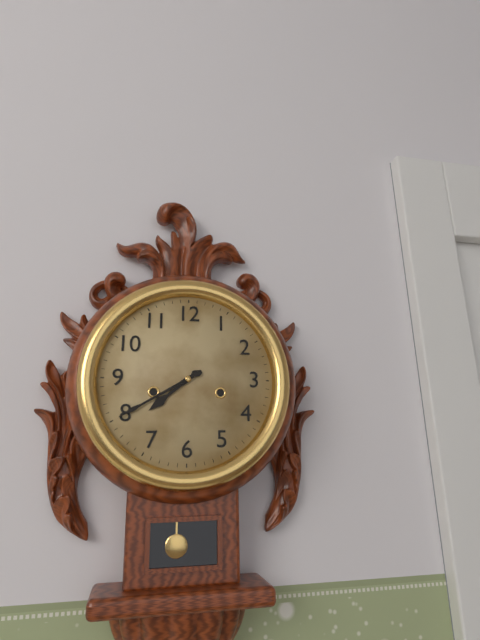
7.40
